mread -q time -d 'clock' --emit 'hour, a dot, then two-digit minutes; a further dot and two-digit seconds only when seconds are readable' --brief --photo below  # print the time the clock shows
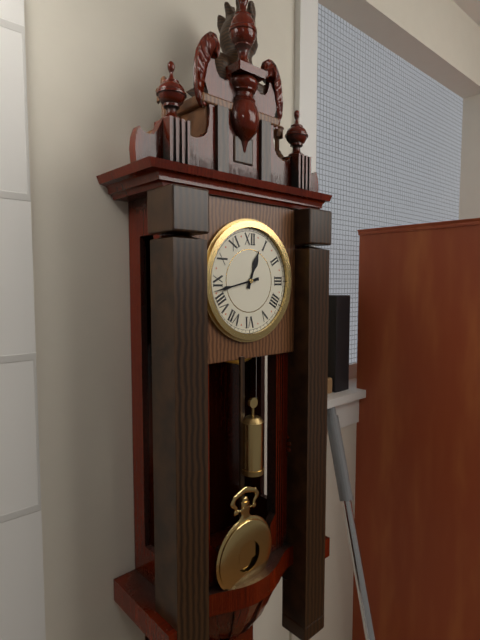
12.43
